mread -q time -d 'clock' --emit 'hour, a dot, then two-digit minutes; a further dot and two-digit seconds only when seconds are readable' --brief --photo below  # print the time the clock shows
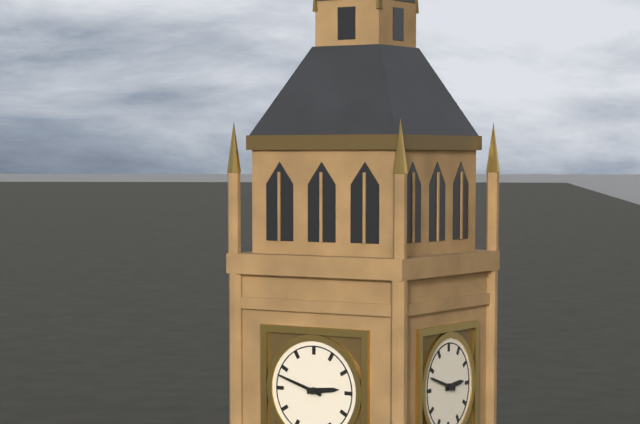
2.48
